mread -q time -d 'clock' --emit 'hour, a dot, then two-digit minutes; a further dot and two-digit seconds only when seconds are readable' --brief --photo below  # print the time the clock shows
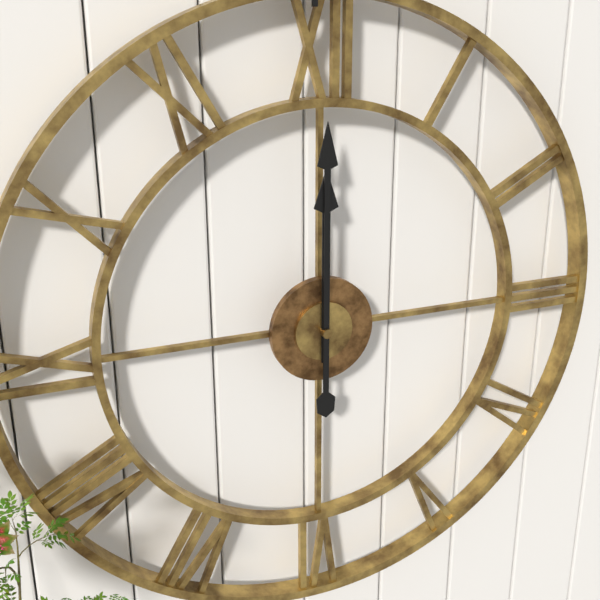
12.00
